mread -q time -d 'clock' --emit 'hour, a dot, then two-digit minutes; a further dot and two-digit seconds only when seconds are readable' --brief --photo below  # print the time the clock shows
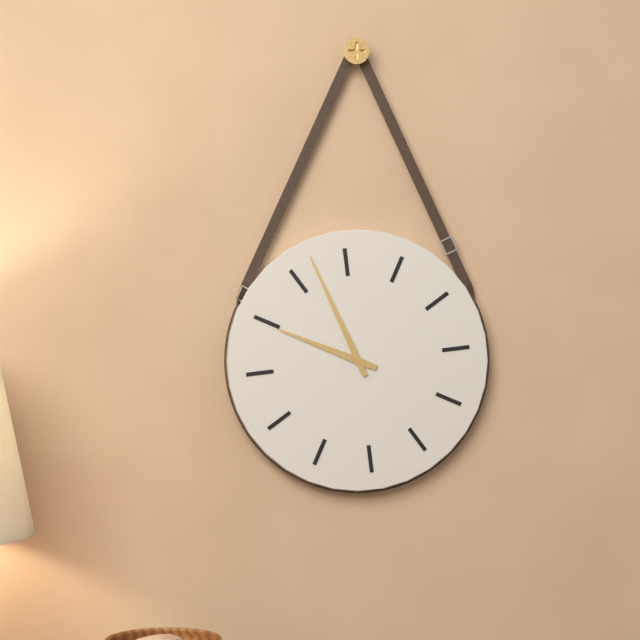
9.57
